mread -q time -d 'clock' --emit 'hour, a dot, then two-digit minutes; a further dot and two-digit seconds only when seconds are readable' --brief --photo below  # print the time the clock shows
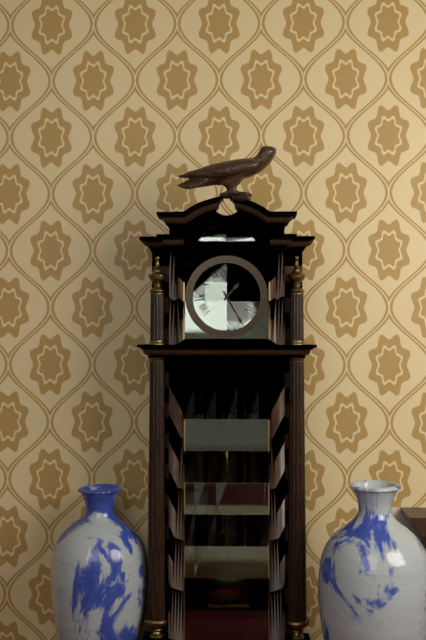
1.25
